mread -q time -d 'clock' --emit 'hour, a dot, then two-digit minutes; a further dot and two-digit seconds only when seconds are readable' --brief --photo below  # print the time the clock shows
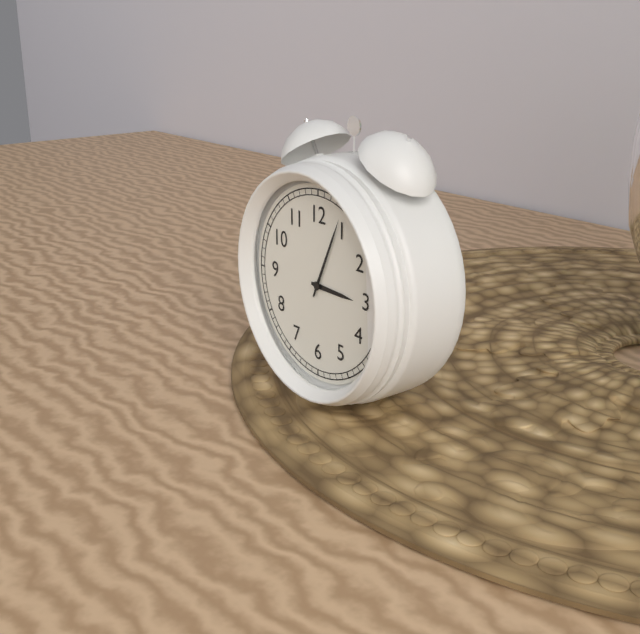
3.04
